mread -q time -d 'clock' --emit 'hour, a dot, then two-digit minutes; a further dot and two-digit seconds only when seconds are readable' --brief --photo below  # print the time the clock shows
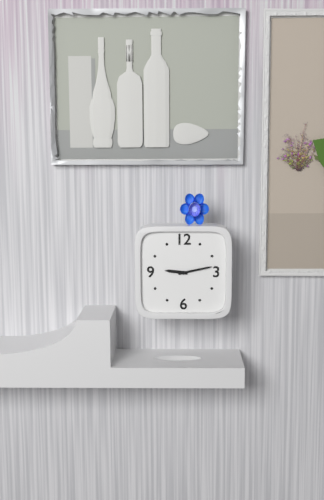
9.13
